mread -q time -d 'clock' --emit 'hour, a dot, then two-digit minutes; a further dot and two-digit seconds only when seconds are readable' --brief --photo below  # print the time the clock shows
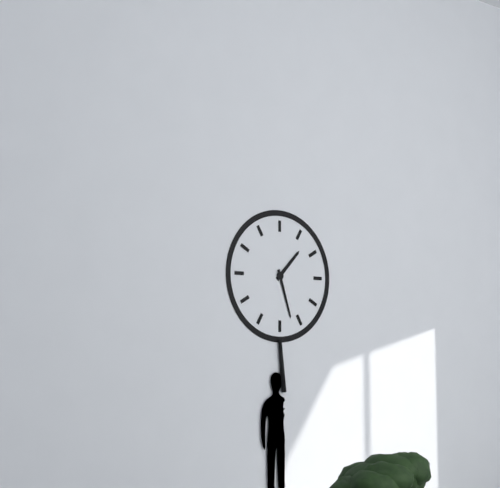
1.27
